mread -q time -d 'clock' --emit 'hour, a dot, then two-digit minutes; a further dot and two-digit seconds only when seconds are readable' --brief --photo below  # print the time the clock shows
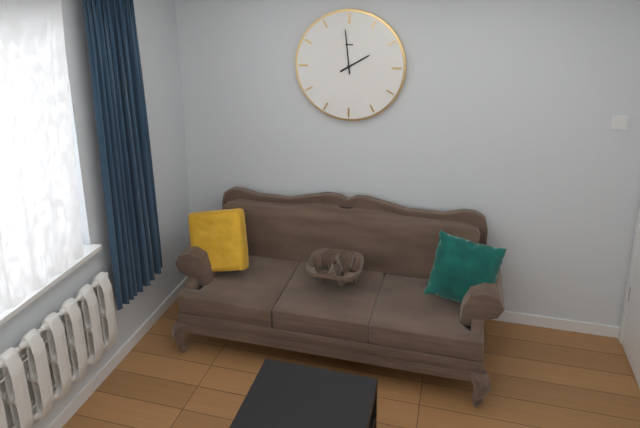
1.59
